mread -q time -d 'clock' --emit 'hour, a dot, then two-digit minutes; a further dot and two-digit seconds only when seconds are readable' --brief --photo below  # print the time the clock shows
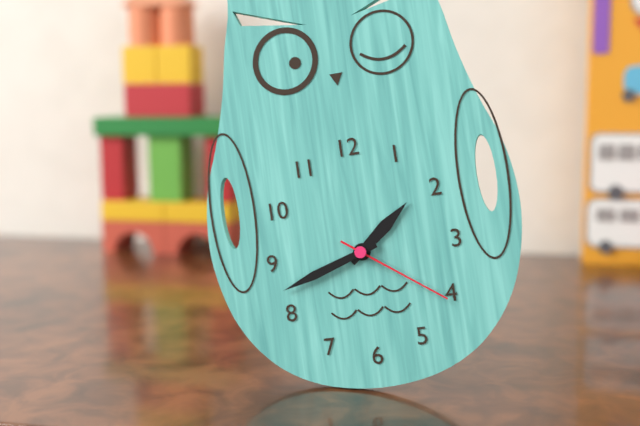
1.42.21
